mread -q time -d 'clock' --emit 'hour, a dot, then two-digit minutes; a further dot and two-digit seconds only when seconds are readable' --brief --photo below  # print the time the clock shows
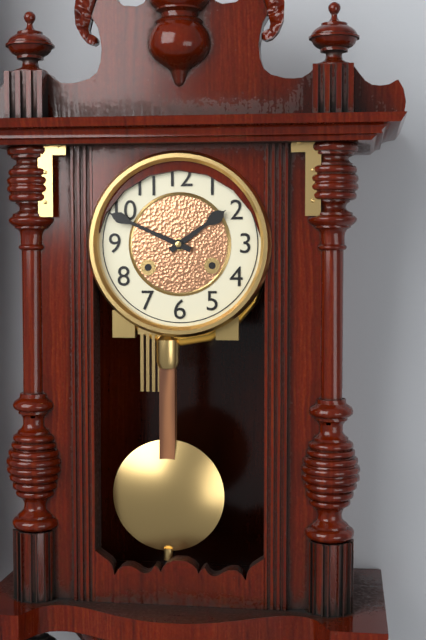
1.49
